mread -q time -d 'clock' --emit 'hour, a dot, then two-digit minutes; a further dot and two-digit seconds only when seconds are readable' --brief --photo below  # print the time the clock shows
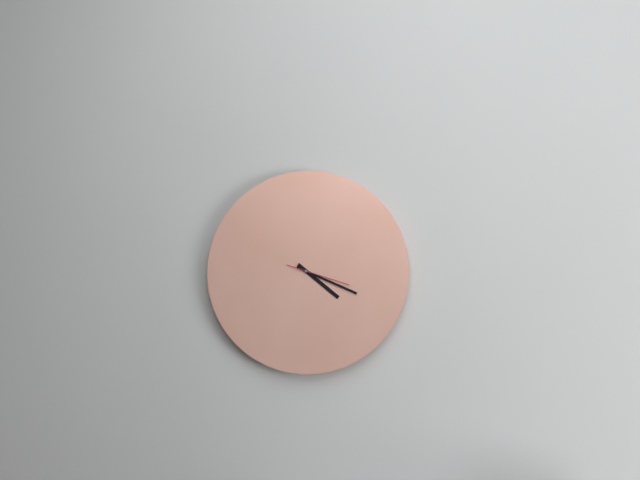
4.19.18
